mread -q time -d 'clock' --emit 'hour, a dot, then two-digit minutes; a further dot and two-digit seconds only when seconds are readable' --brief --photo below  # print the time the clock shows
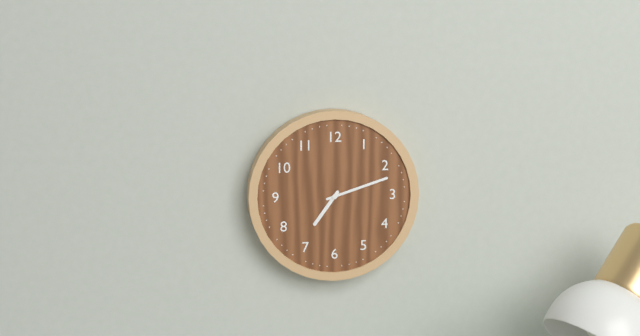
7.12
